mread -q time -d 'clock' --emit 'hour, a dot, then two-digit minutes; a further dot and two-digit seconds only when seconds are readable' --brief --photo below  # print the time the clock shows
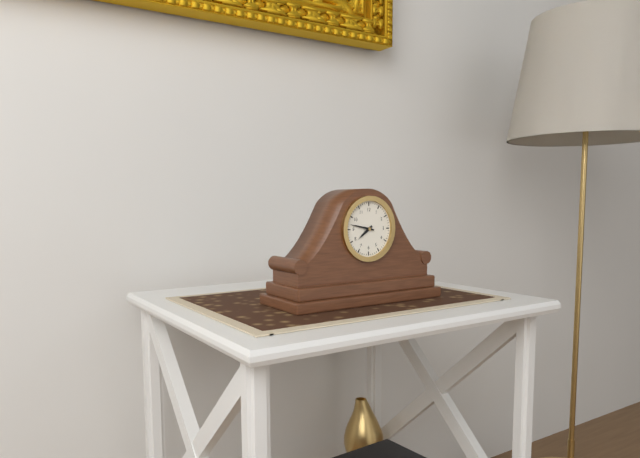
7.47
